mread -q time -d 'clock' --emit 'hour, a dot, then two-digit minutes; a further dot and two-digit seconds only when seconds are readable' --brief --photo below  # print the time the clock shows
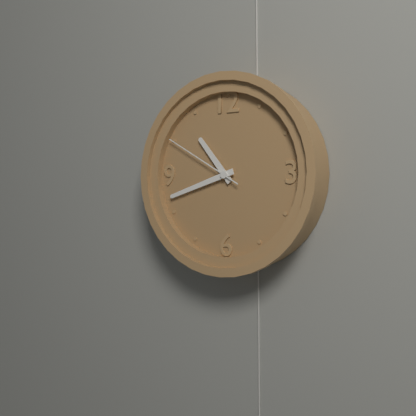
10.42.50
